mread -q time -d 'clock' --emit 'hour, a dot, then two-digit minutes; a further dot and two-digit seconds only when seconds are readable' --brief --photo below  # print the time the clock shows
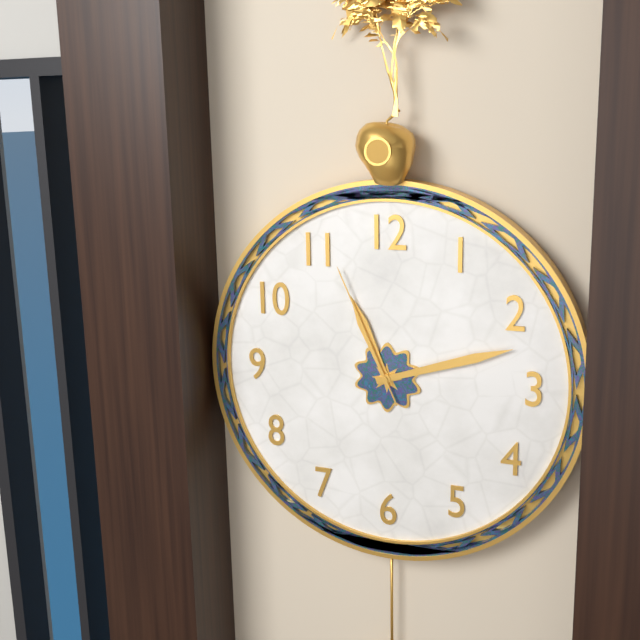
11.12.56
